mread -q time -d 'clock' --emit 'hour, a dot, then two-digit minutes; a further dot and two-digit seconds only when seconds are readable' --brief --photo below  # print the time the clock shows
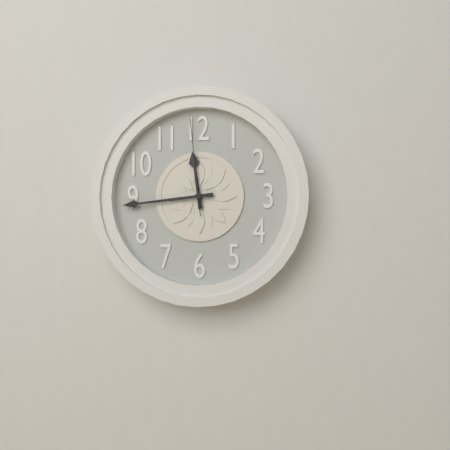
11.44.59
